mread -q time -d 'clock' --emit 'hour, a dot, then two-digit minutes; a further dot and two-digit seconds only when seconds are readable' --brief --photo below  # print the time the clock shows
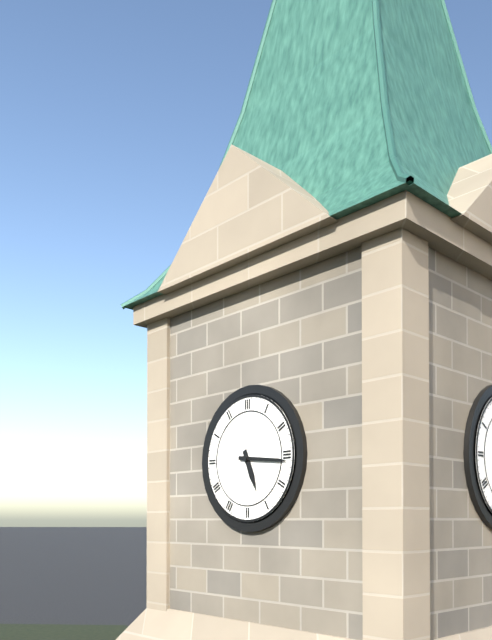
5.16
